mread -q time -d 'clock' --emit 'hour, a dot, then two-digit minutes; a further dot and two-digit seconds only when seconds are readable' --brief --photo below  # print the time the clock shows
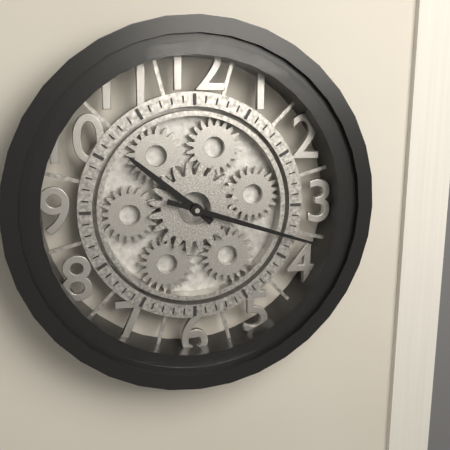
10.18
